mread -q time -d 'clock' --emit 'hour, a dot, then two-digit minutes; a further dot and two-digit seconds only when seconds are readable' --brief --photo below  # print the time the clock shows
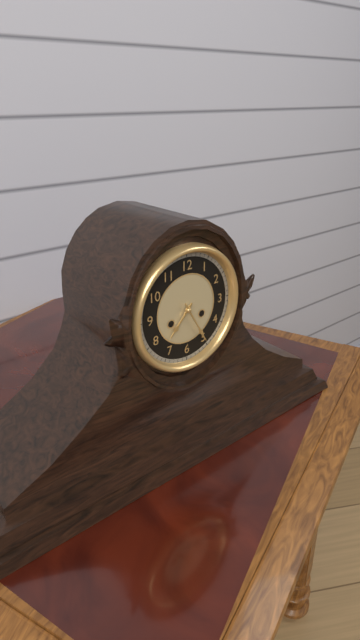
7.25
